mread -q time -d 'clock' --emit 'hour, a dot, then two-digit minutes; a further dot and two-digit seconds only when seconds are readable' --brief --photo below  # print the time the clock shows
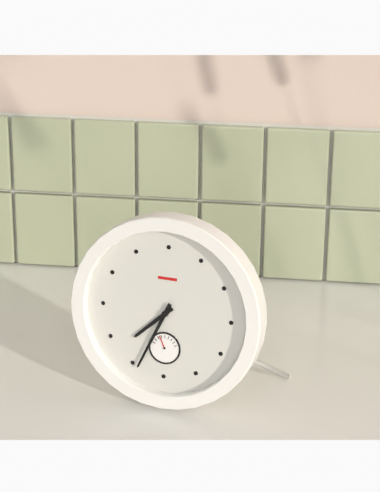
7.34
